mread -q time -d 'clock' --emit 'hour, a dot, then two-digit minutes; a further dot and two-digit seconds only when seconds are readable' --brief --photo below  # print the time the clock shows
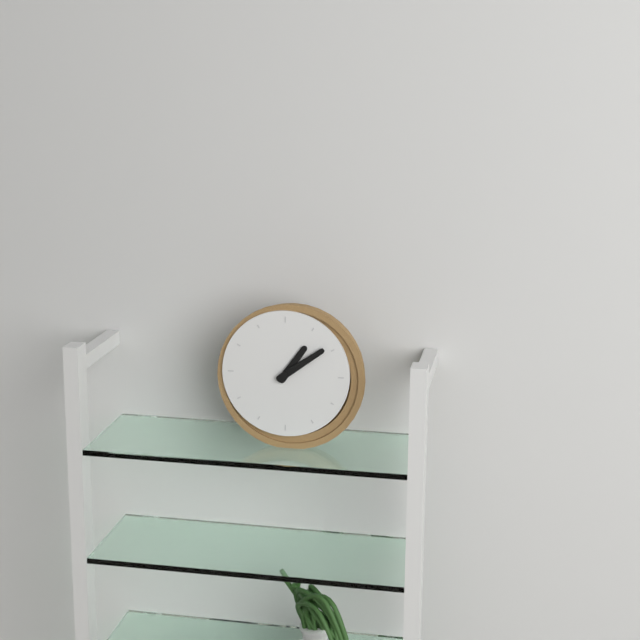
1.09
